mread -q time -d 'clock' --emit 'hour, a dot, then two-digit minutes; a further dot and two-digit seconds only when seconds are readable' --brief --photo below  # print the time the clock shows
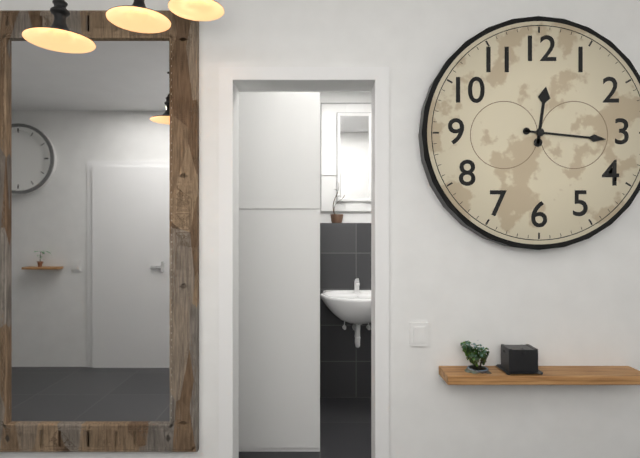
12.16
